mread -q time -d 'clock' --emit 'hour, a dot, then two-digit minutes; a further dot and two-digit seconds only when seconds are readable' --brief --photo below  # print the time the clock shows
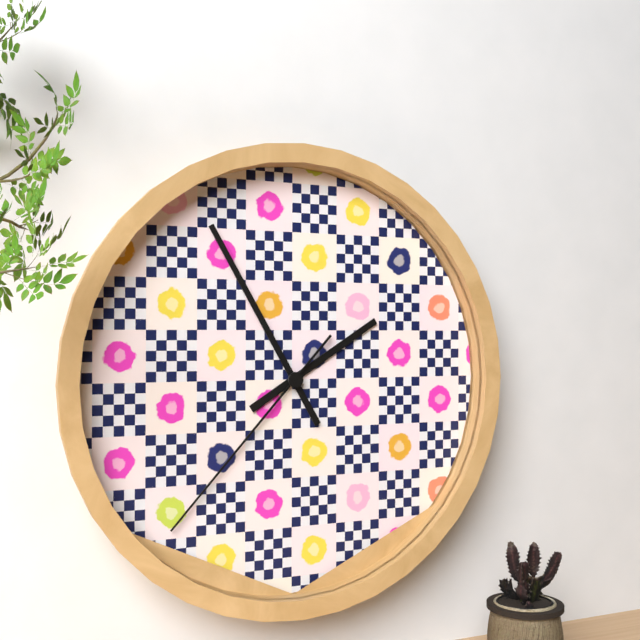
1.55.37
